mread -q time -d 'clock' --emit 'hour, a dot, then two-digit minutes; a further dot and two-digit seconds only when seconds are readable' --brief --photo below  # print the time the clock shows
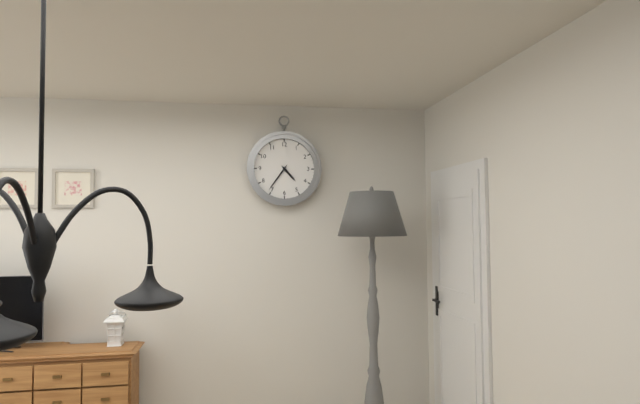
4.36
